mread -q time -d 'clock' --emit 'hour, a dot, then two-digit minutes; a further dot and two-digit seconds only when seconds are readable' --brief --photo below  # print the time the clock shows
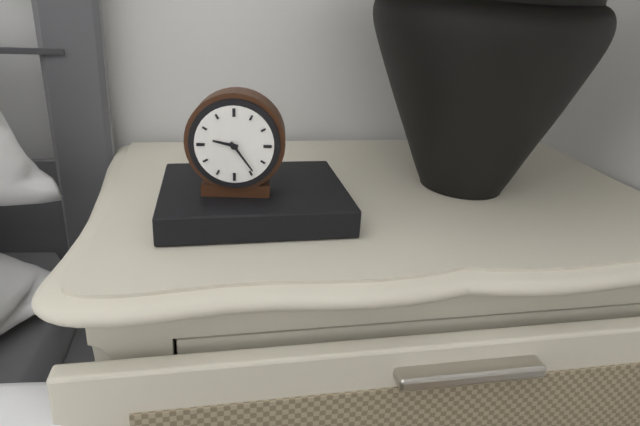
9.24
